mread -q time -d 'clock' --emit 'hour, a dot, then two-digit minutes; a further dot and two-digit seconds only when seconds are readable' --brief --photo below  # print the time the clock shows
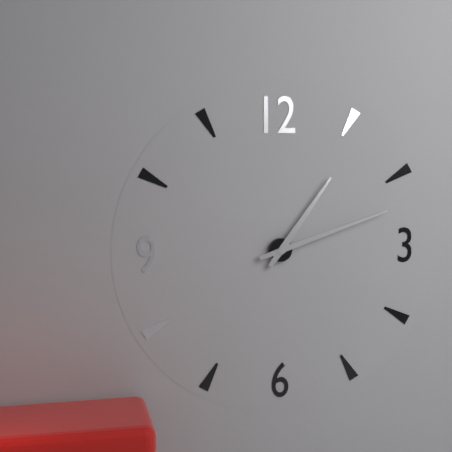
1.12
